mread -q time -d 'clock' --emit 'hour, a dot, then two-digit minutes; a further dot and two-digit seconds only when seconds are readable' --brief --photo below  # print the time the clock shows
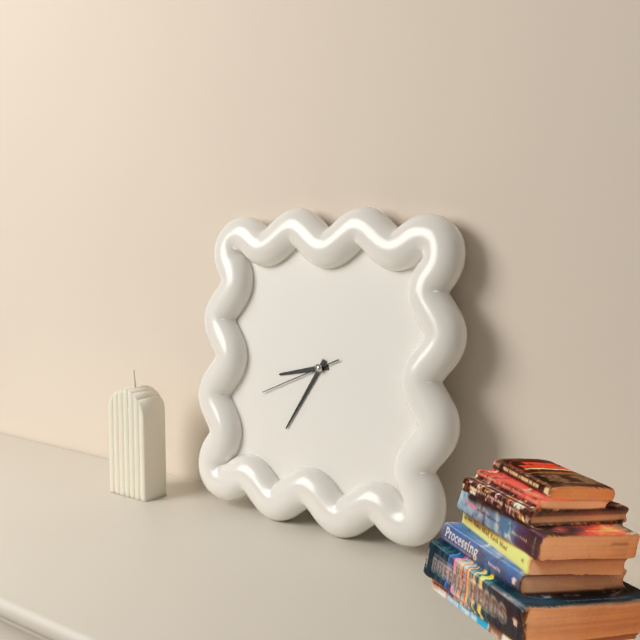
8.35.41
